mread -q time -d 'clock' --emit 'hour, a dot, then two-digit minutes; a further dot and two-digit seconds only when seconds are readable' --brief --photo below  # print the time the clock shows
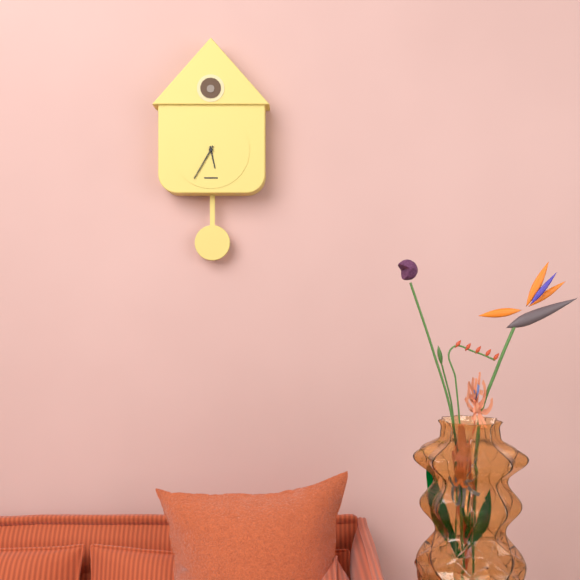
5.35
